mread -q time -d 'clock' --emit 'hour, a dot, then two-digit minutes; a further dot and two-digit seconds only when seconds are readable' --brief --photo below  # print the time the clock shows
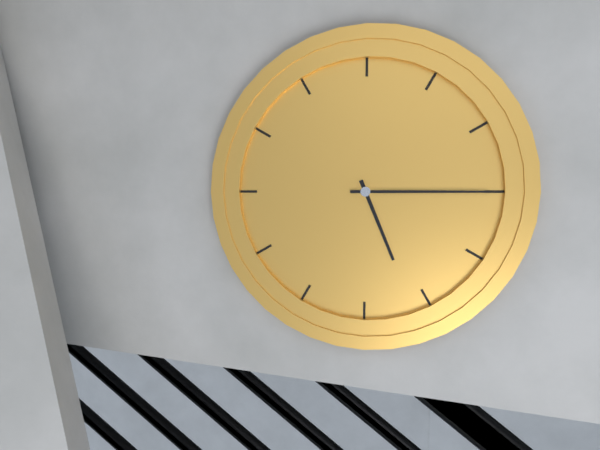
5.15
